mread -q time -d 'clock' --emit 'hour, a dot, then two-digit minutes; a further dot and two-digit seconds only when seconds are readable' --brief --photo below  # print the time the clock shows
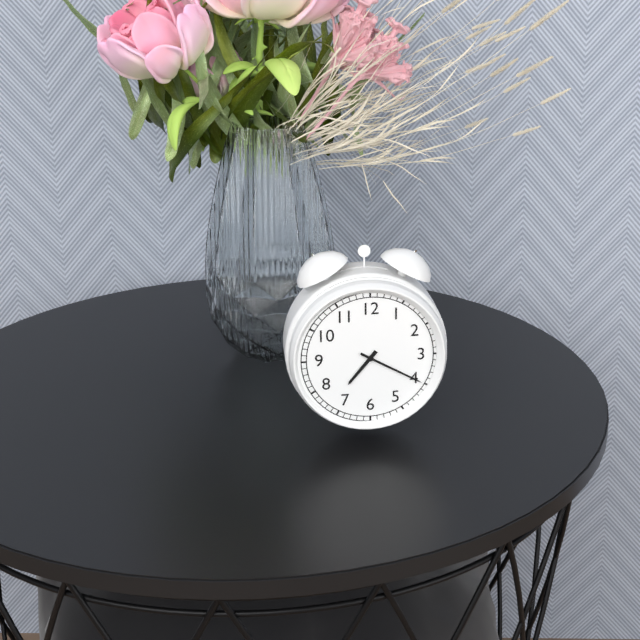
7.20
